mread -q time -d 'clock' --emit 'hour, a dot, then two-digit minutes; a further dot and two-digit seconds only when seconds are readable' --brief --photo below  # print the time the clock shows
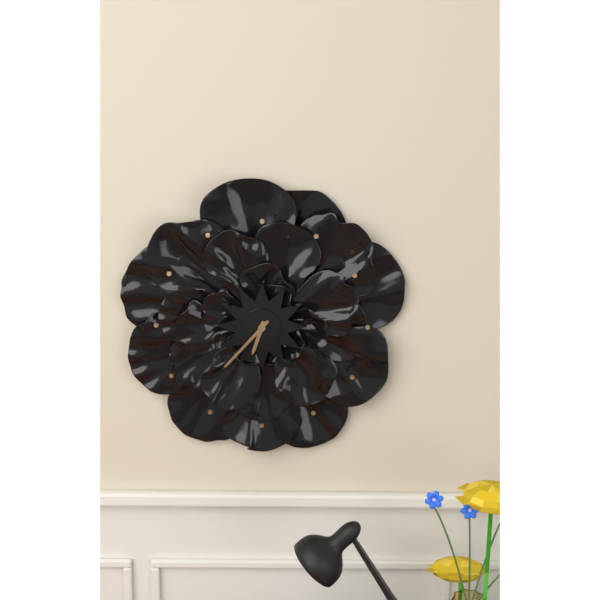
6.37
